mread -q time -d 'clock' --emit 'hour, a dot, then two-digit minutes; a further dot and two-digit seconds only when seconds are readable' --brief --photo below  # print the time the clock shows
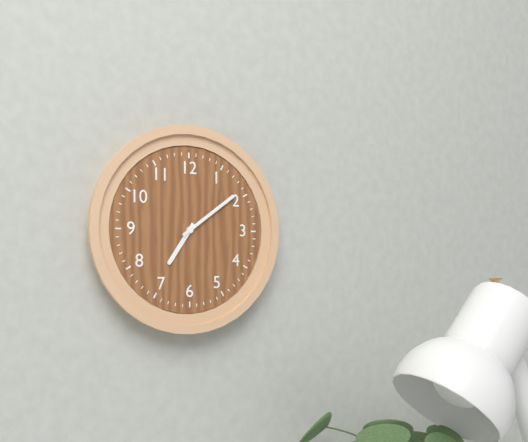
7.09
